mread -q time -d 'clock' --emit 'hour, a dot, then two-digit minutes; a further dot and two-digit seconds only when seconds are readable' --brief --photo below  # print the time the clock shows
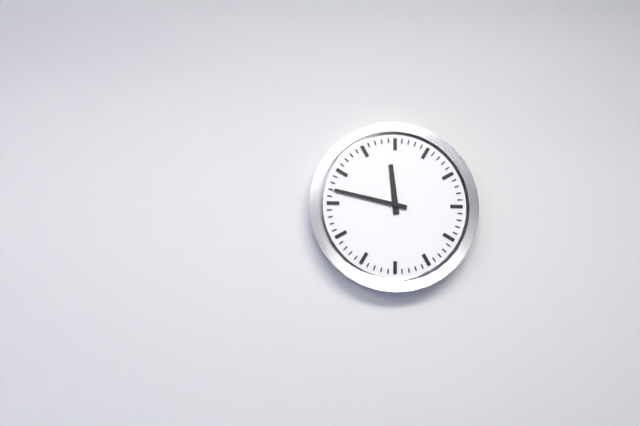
11.47
